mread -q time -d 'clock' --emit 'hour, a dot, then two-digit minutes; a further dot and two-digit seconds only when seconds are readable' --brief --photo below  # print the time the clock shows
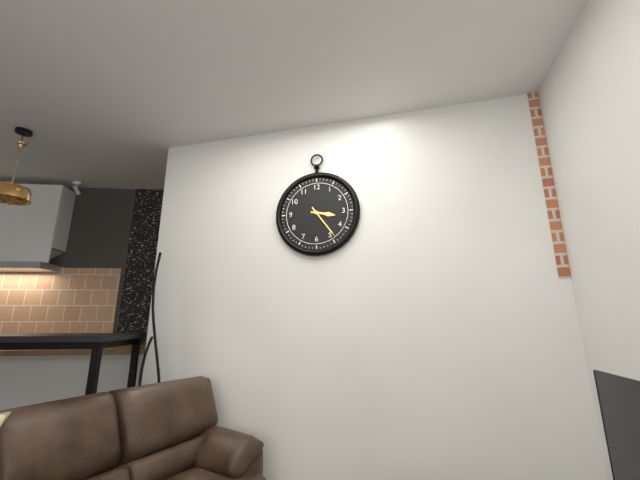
3.24
